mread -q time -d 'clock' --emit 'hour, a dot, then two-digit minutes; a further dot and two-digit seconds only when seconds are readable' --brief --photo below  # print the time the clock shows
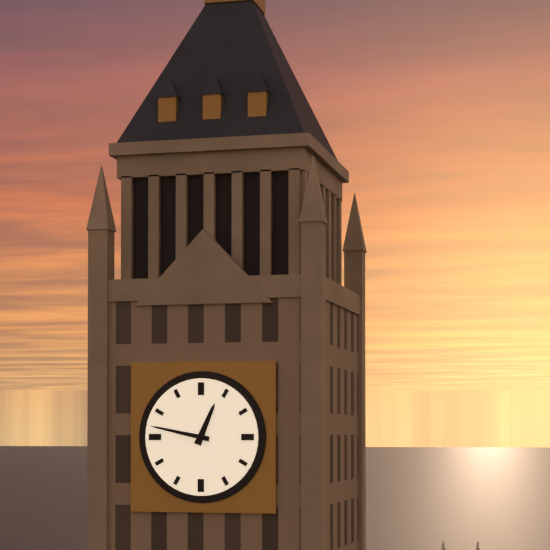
12.47
